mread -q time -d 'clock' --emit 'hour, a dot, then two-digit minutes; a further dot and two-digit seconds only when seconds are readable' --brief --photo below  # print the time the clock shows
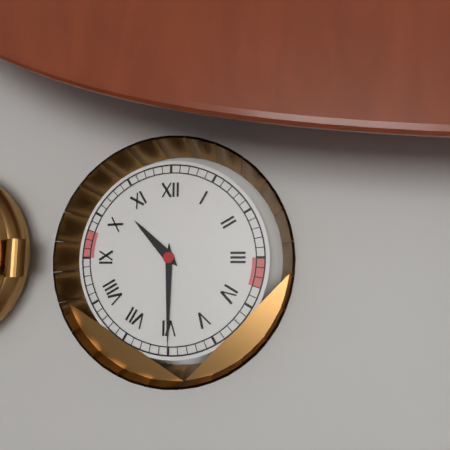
10.30
